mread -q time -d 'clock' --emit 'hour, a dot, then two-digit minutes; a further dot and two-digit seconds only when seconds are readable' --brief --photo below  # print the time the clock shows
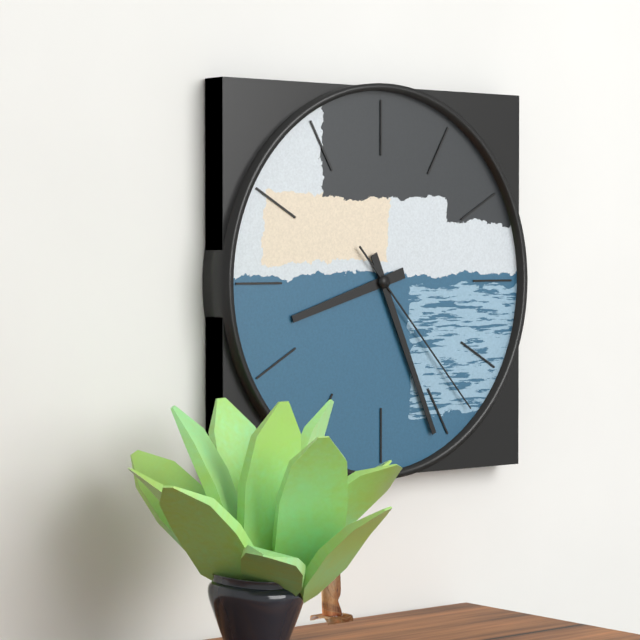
8.26.23
